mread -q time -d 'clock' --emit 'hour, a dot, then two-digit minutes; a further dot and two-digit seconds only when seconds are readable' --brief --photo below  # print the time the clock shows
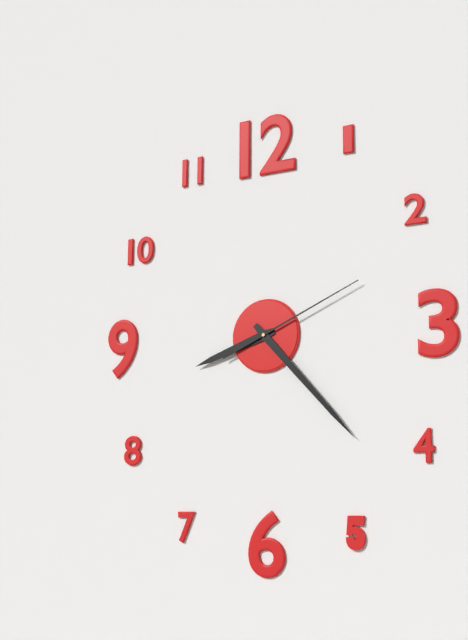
8.23.11
